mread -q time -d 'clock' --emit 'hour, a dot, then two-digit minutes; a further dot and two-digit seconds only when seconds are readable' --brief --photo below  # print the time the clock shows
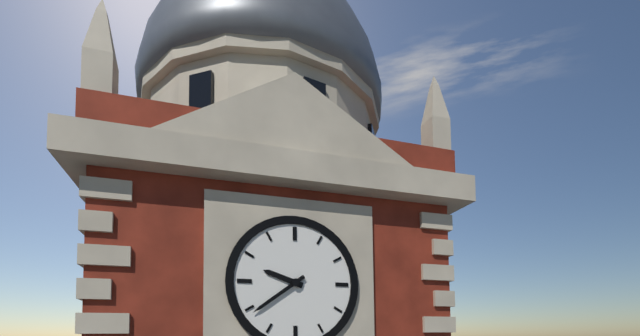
9.39
